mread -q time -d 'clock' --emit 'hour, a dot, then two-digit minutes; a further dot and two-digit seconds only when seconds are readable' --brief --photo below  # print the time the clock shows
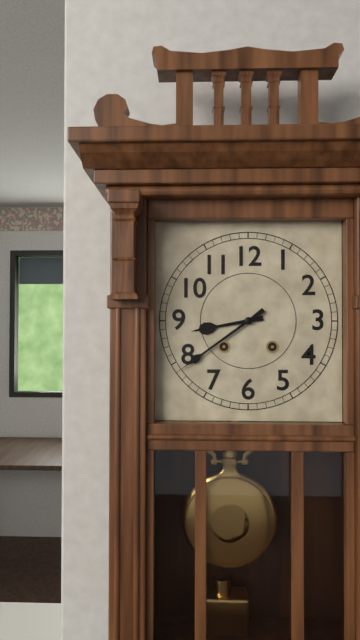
8.39
